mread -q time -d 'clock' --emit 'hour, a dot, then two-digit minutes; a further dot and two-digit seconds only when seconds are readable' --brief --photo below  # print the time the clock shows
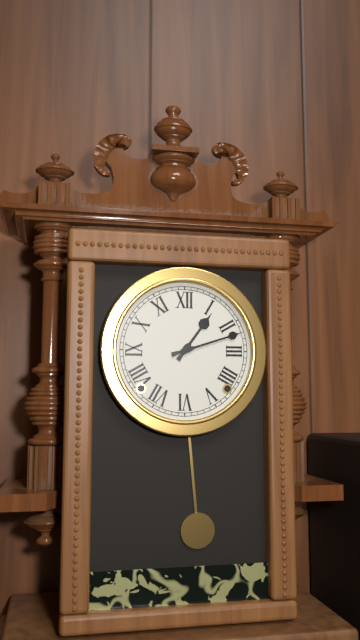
1.12
